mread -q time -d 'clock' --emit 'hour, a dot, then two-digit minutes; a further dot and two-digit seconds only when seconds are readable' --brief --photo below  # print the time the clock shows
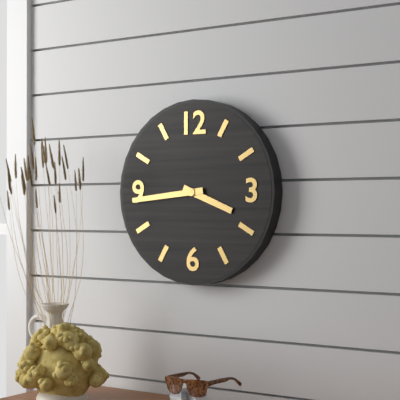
3.44
